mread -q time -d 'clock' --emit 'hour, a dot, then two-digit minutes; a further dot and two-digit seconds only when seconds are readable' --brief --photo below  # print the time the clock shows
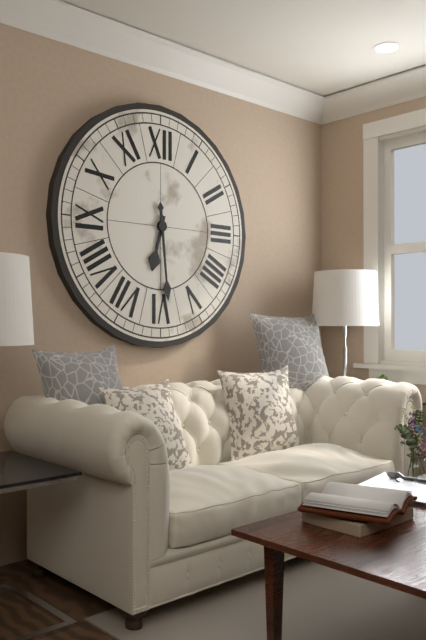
6.29
